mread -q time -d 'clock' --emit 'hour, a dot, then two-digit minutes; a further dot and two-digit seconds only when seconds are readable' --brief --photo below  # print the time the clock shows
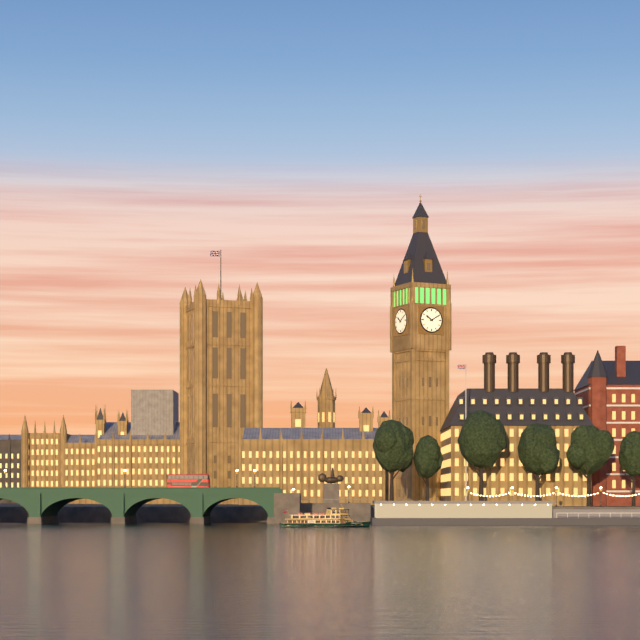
10.10
